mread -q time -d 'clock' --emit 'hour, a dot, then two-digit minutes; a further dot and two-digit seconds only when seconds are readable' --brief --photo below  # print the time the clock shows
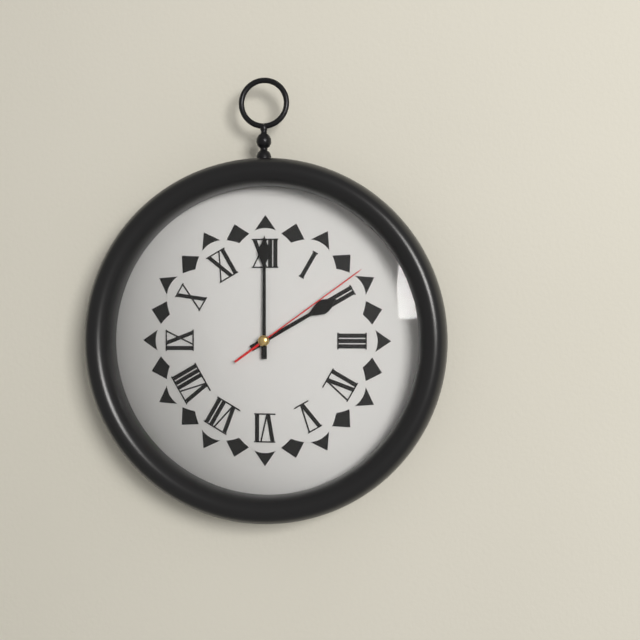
2.00.09
